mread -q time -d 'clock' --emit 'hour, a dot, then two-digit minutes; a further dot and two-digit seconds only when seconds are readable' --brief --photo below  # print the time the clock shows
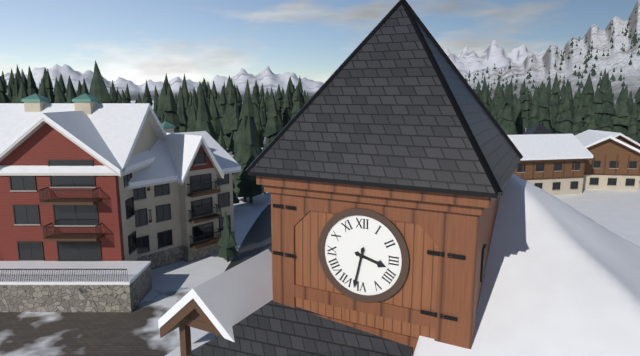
3.32
